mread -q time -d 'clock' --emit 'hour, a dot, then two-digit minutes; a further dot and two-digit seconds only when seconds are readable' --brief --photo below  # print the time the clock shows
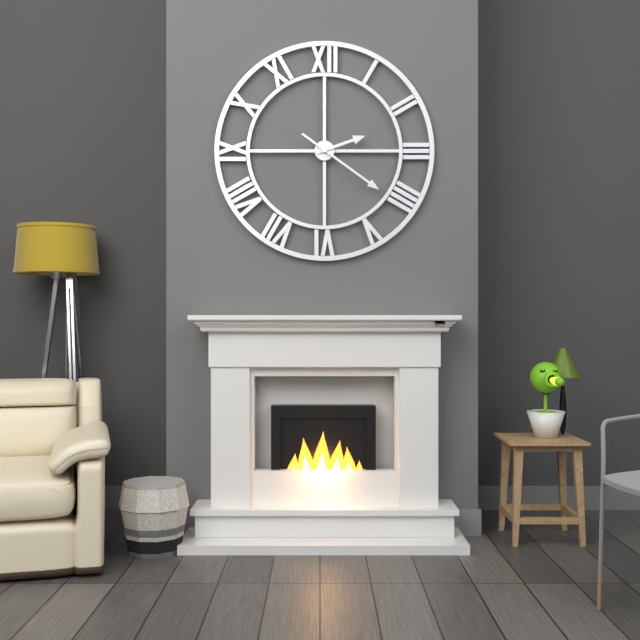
2.21
